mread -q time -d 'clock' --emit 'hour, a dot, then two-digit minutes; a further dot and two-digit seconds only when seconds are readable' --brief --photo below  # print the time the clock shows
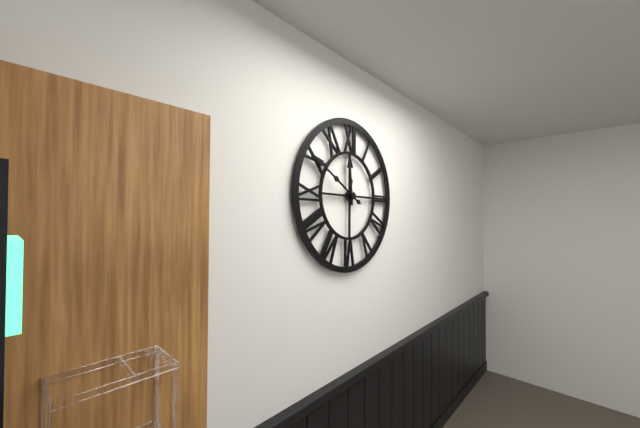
11.50
